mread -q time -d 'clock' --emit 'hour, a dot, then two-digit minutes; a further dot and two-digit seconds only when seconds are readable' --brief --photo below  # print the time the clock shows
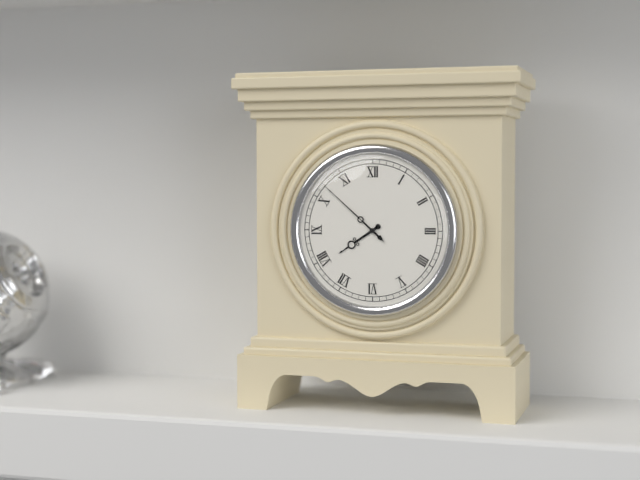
7.52.52
